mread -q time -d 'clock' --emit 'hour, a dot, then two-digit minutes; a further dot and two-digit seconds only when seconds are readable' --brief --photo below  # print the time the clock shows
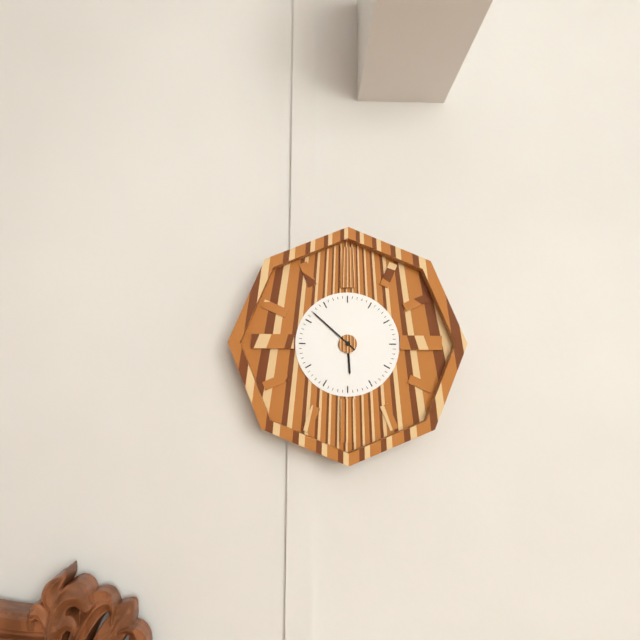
5.52
